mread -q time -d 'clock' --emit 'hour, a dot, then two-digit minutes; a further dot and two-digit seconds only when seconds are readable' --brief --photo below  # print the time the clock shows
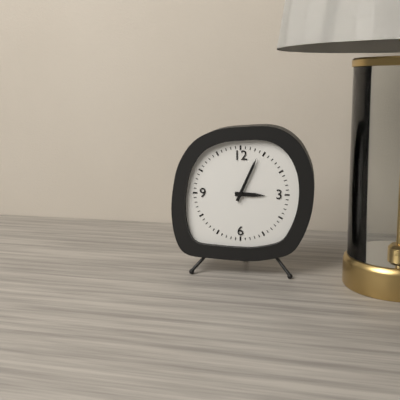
3.04
